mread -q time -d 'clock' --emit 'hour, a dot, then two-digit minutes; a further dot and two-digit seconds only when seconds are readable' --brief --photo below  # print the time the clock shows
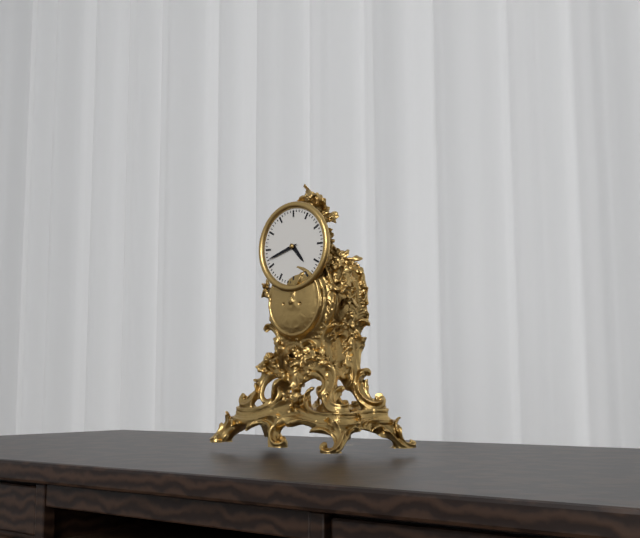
4.42
